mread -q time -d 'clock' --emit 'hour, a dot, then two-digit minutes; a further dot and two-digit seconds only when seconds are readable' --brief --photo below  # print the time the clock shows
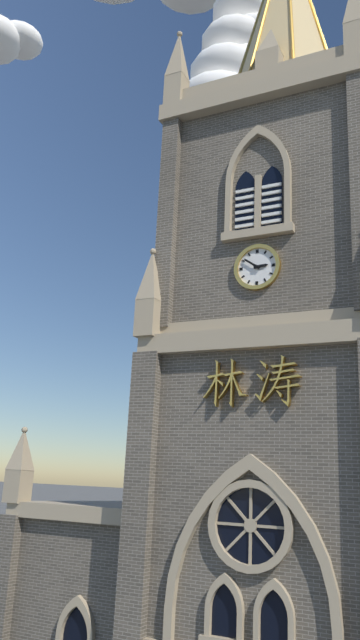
2.51
